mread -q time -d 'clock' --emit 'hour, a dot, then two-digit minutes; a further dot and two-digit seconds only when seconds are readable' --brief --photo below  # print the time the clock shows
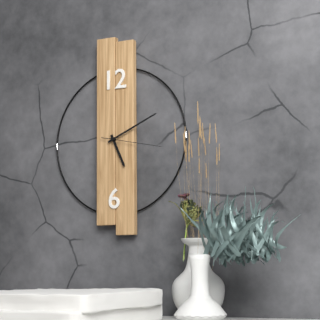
5.11.17
